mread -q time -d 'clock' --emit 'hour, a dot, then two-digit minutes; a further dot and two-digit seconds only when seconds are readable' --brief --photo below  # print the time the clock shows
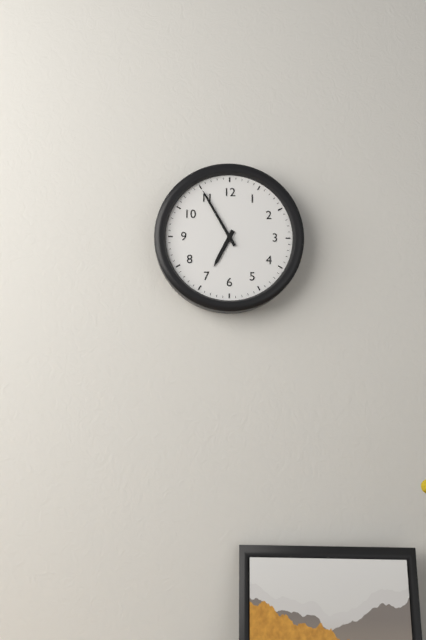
6.55
